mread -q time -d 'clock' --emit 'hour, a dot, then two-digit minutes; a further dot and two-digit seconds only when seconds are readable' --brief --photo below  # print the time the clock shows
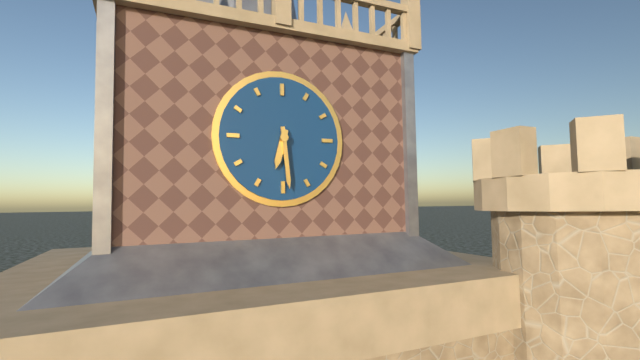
6.29
